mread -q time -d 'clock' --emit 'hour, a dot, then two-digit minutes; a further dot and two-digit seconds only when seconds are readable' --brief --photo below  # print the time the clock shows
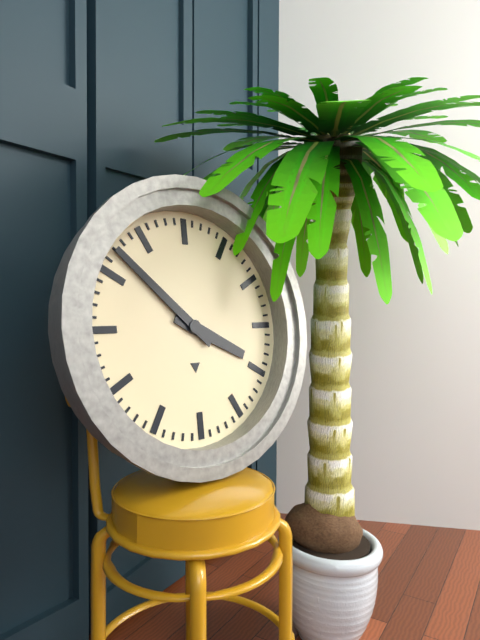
3.52
